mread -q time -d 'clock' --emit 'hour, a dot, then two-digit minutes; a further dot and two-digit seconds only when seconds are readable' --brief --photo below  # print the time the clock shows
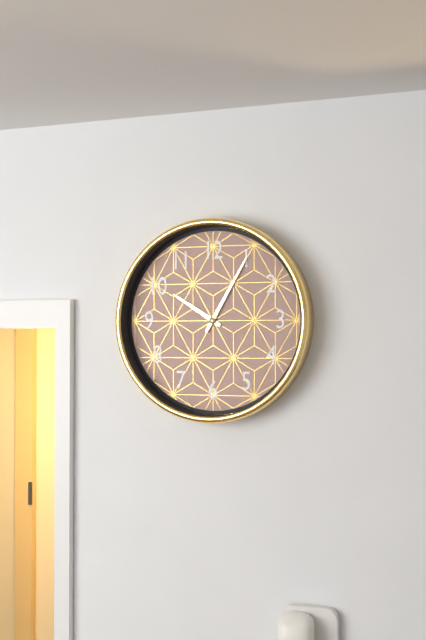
10.05
